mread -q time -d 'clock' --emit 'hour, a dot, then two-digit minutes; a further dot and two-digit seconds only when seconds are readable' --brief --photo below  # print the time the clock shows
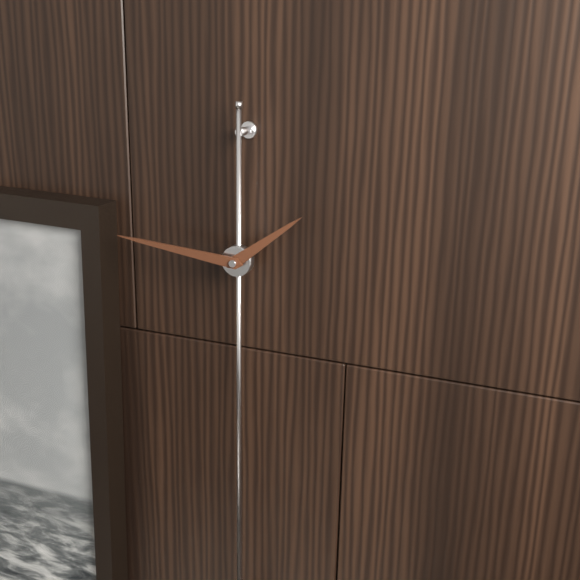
1.46
